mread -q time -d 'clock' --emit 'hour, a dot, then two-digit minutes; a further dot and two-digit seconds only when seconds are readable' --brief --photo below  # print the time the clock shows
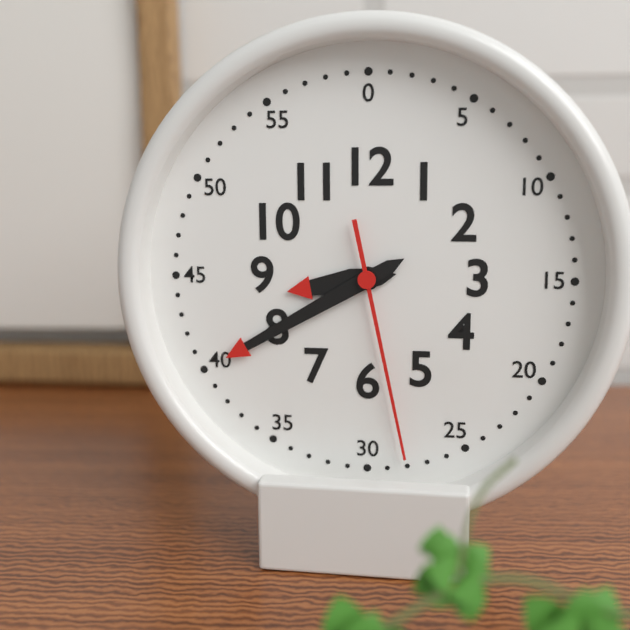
8.40.28
